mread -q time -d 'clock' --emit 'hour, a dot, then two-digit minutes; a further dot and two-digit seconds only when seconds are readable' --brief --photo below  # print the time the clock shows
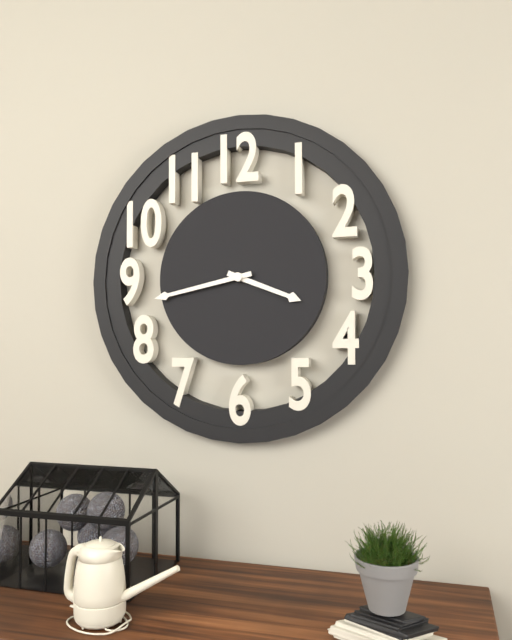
3.43
